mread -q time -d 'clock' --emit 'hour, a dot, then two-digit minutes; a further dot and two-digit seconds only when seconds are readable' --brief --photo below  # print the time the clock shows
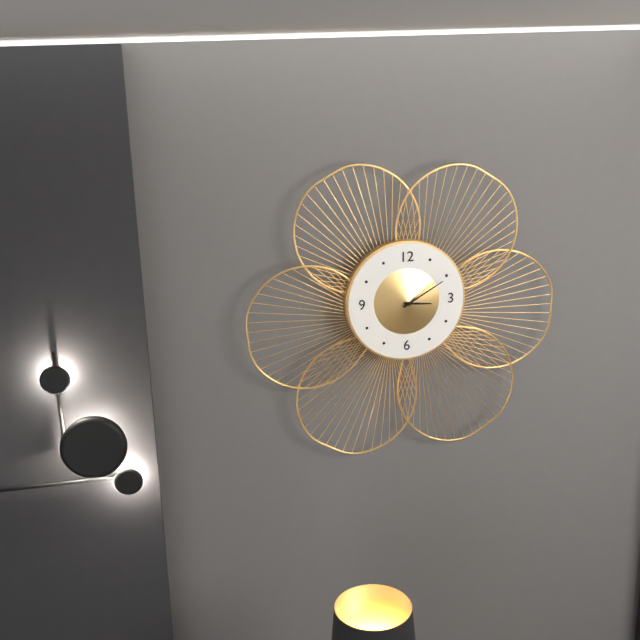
3.10
